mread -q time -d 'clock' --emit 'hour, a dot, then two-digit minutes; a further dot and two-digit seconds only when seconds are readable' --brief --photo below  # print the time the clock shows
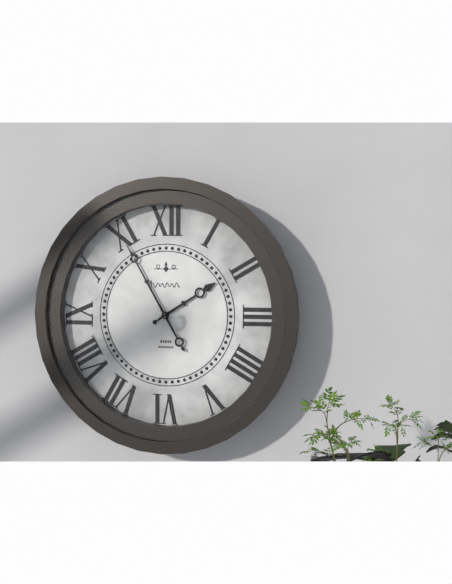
1.55
